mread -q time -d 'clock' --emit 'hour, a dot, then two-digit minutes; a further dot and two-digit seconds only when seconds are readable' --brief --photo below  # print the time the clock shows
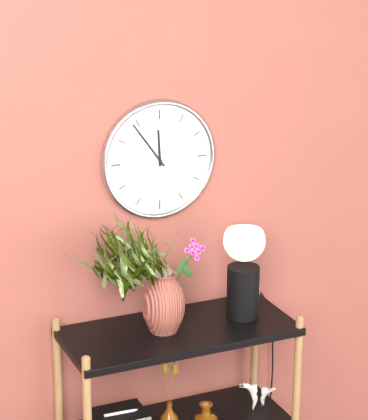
11.54
